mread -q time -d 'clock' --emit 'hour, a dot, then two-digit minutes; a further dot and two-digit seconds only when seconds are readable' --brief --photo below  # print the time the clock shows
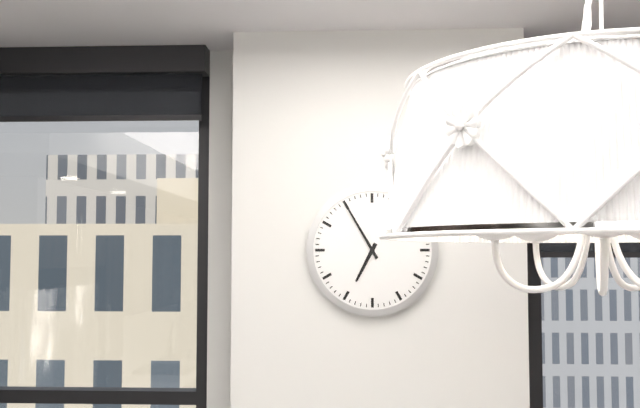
6.55
